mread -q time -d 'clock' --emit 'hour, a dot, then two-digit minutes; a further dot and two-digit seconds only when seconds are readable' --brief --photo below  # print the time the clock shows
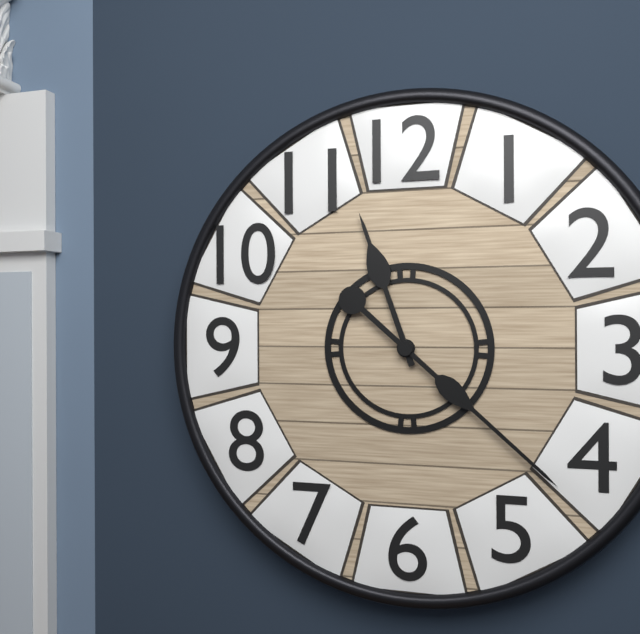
11.22
